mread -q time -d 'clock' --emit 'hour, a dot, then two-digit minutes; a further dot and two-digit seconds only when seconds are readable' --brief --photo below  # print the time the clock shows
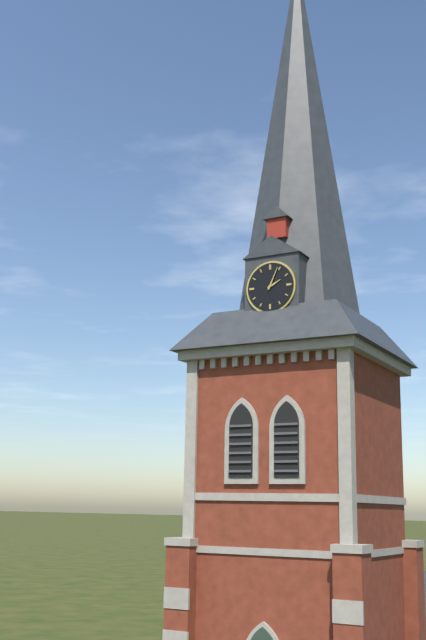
2.04
